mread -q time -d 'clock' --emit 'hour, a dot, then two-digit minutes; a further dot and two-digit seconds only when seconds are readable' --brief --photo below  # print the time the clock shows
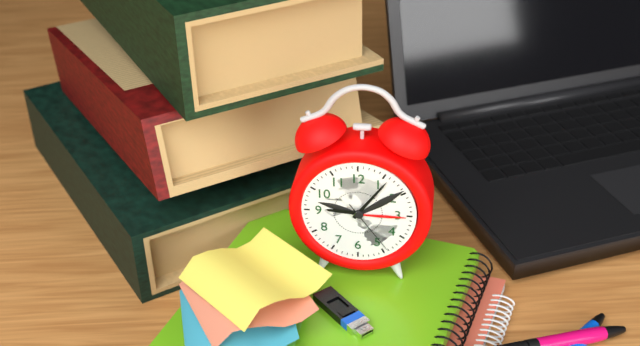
9.06.24
